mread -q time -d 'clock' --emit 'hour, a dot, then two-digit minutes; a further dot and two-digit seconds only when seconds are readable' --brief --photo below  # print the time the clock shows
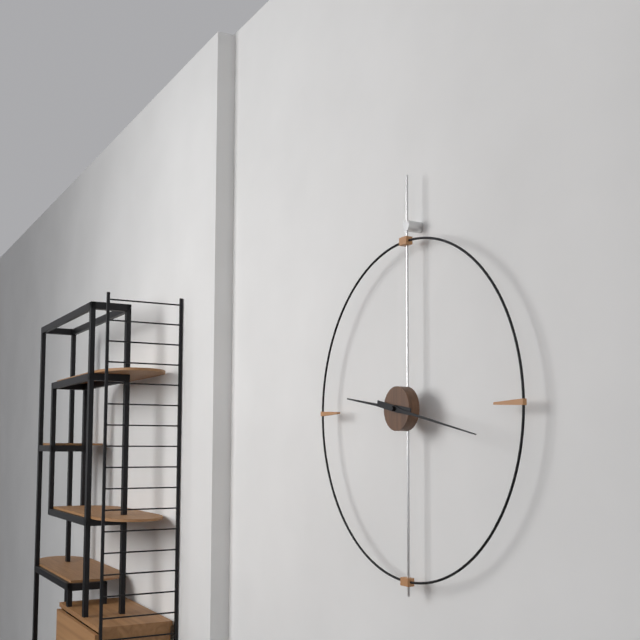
9.17
